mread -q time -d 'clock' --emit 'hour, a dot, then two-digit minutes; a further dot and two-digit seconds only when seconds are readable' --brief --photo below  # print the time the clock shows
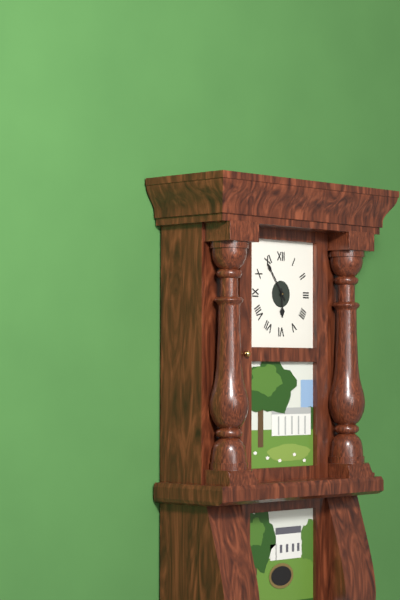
5.54
